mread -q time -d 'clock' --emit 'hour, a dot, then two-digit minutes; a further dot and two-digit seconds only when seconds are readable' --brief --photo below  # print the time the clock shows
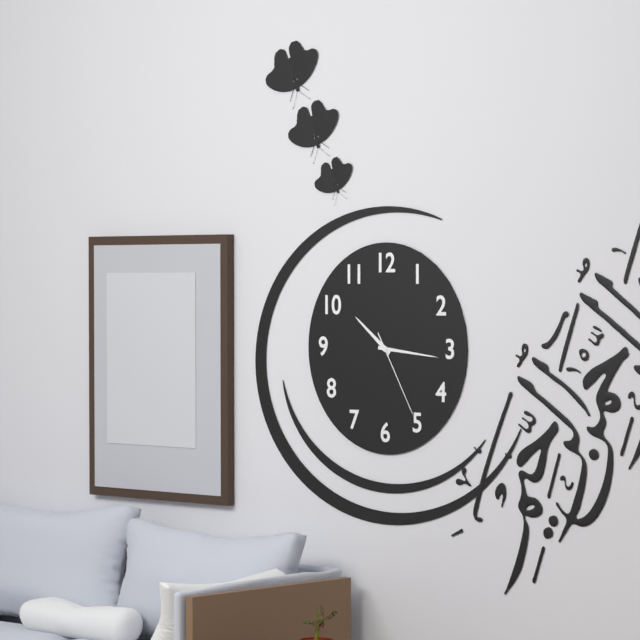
10.16.25
